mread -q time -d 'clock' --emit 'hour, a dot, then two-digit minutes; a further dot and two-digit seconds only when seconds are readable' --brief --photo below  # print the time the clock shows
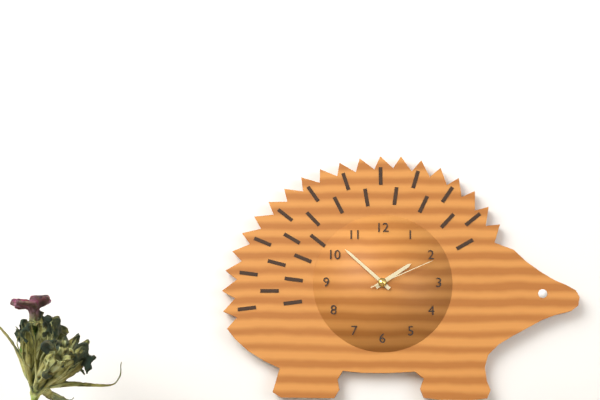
1.52.11
